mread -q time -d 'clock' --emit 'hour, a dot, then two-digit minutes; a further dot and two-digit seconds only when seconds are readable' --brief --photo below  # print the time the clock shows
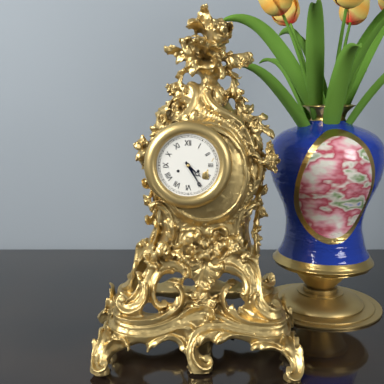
4.25
